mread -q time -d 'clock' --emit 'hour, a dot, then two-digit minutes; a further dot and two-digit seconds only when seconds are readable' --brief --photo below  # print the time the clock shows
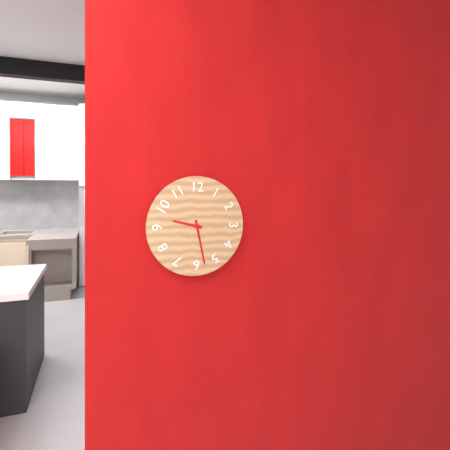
9.28
